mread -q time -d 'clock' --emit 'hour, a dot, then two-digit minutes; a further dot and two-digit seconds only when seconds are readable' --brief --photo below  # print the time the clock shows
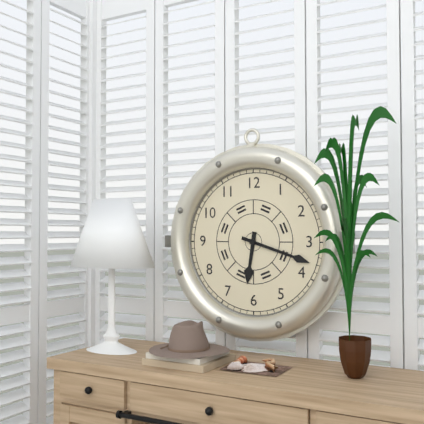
6.18
